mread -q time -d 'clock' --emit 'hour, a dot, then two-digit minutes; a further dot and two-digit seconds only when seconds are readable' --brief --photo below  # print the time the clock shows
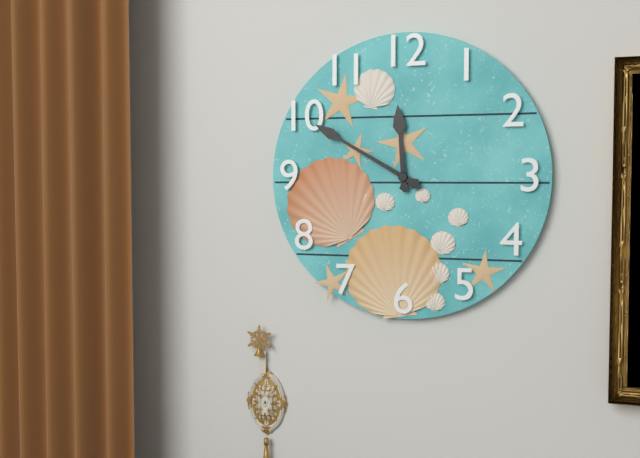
11.50
